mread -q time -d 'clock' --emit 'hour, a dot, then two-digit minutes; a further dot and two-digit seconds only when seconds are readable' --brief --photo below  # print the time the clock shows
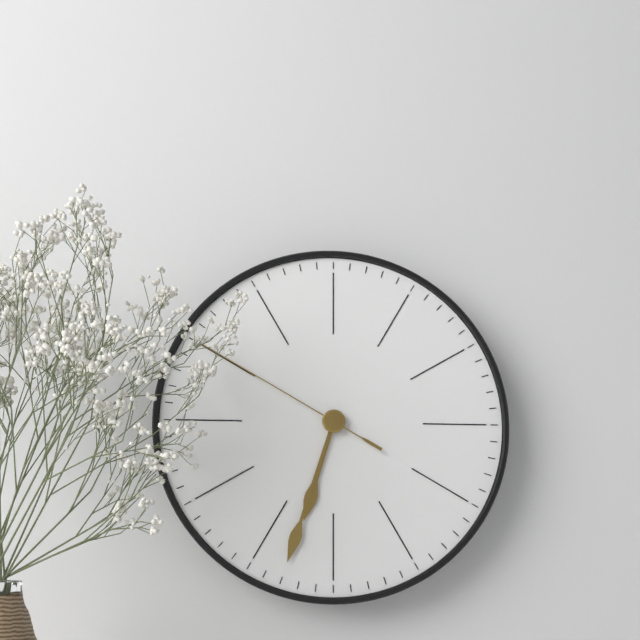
6.33.50
